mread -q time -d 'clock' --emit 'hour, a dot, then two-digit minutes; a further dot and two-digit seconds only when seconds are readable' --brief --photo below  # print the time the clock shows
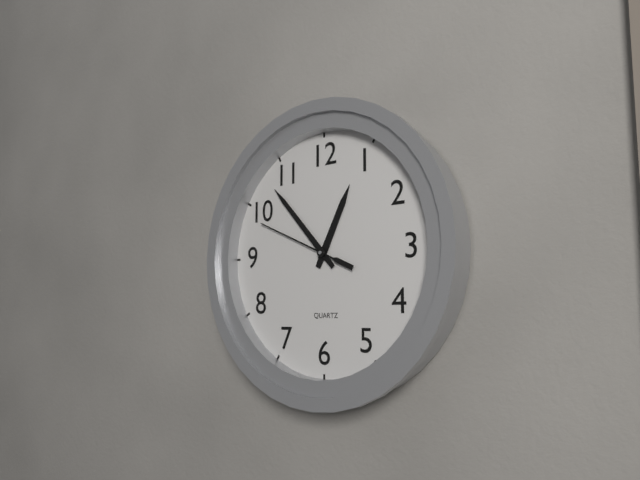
12.53.49
